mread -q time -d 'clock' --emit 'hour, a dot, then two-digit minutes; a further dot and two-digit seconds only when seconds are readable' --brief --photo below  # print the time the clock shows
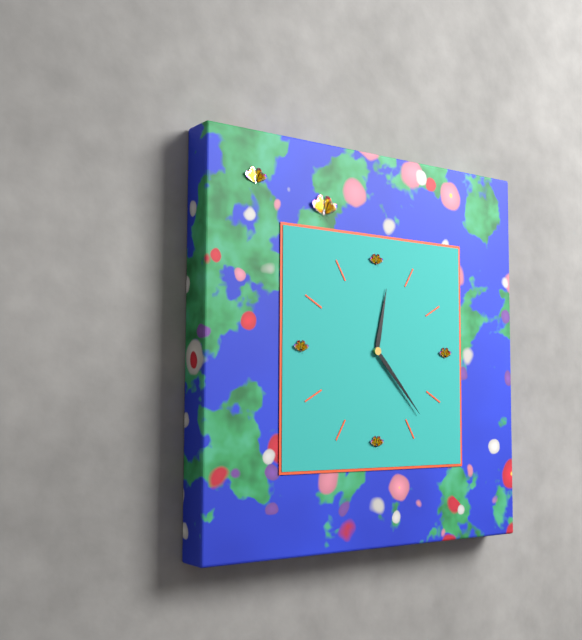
12.23
